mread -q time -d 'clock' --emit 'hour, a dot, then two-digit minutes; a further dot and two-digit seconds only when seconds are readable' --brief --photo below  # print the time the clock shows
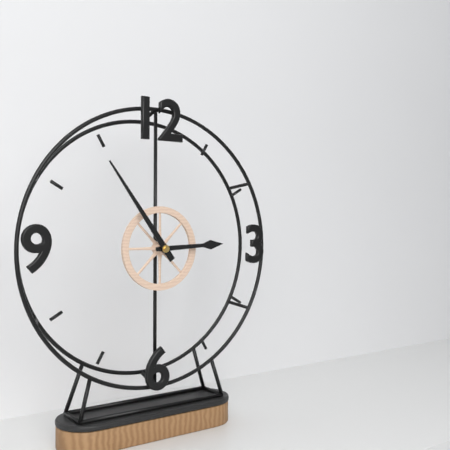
2.54
